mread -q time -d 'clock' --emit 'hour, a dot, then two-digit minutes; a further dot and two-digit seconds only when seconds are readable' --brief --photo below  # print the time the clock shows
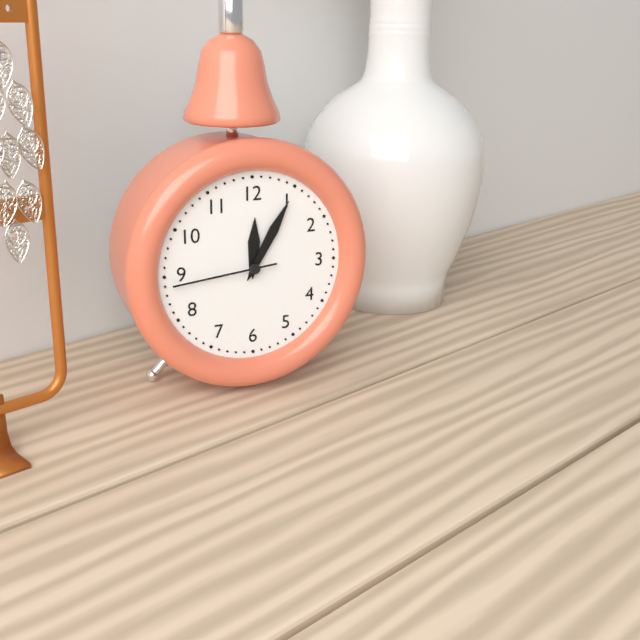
12.05.44
